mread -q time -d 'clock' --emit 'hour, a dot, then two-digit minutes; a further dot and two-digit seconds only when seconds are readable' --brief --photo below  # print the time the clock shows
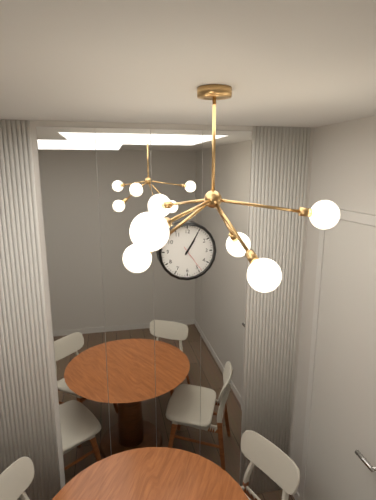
1.05
